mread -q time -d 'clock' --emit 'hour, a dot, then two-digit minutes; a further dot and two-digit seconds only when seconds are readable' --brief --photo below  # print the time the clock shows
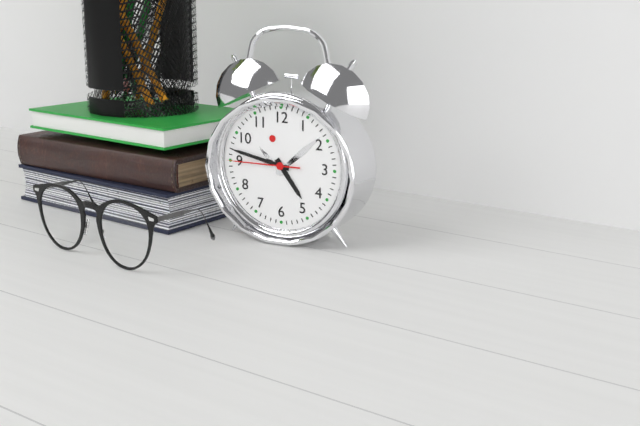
4.47.45
